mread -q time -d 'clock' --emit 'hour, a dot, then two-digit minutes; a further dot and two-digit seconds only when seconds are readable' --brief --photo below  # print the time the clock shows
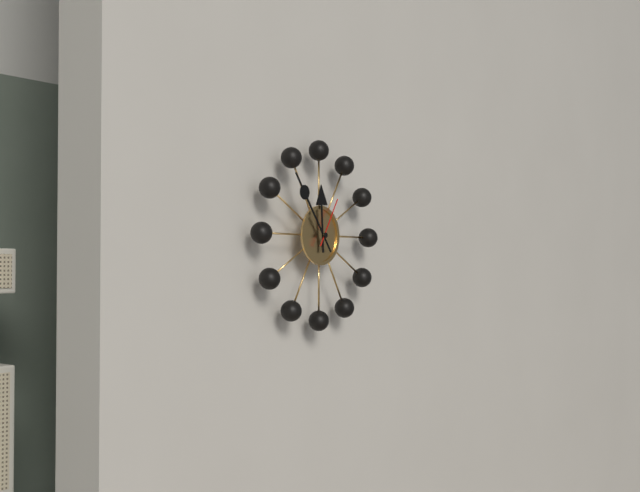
11.54
